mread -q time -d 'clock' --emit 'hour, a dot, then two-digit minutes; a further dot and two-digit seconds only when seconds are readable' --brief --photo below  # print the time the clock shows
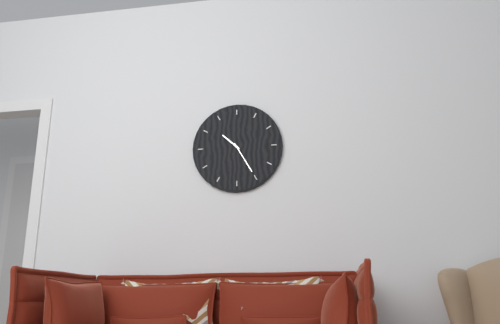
10.25
